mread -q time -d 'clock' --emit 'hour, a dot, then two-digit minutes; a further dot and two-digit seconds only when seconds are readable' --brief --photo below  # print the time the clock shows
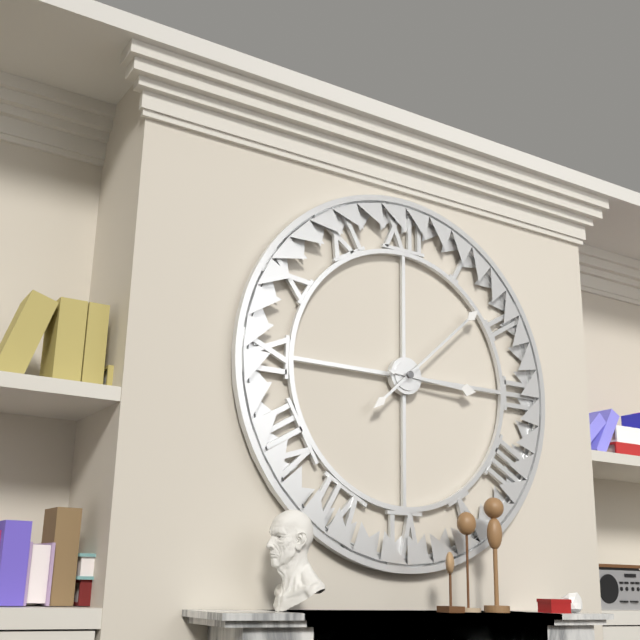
3.08
